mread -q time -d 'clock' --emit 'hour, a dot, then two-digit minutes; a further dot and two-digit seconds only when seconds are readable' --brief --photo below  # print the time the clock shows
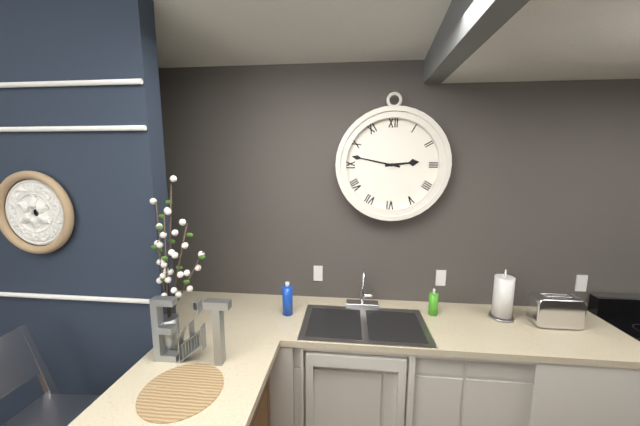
2.47
